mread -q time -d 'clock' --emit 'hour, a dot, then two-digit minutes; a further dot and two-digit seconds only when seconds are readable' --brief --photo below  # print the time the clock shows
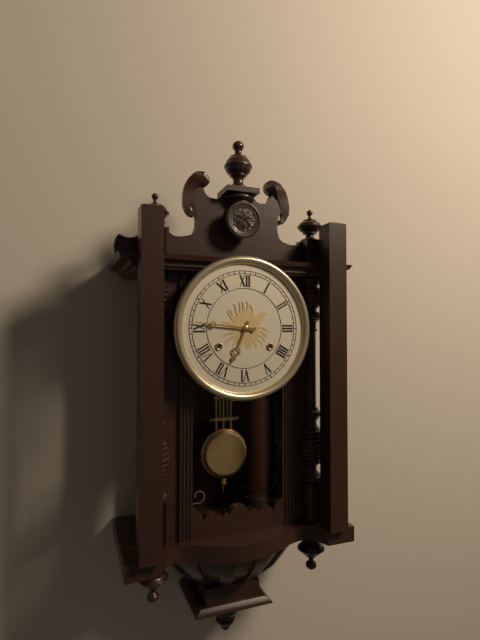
6.46
